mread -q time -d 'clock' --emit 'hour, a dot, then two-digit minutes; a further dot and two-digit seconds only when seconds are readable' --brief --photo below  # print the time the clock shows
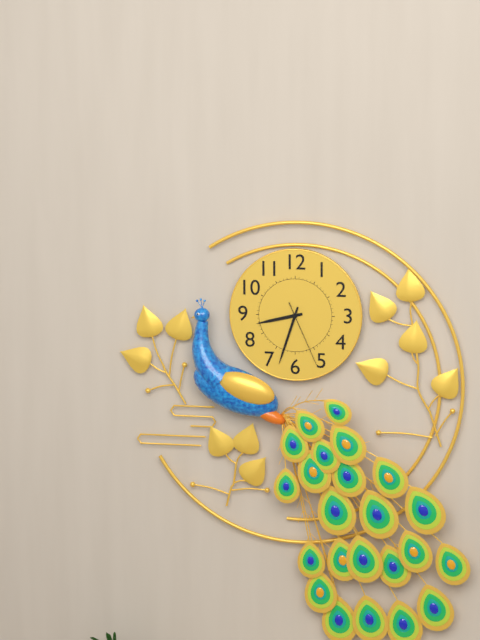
8.33.26
